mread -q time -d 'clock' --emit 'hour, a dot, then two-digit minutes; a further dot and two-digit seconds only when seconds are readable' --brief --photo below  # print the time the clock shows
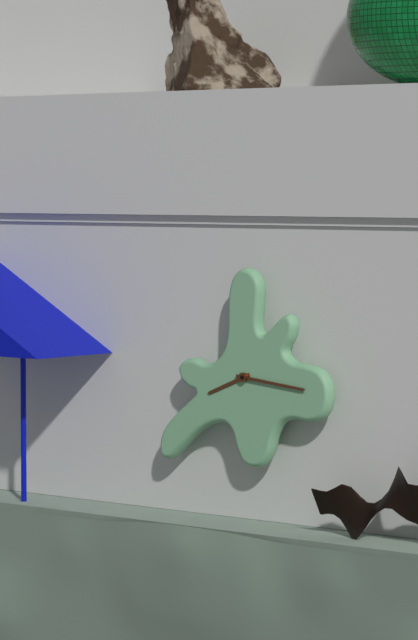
8.16
